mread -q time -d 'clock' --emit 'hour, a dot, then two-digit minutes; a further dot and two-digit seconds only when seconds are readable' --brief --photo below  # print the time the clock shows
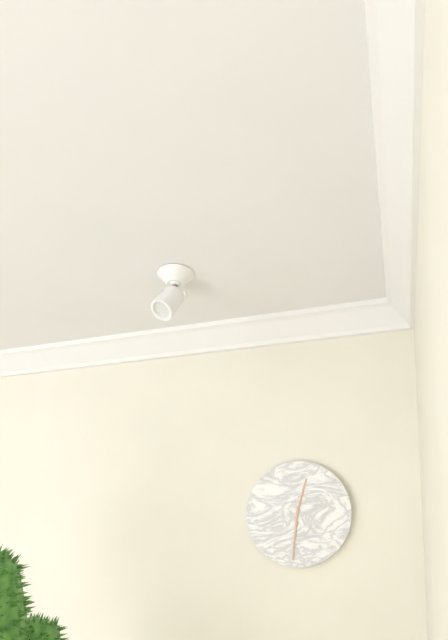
12.31
